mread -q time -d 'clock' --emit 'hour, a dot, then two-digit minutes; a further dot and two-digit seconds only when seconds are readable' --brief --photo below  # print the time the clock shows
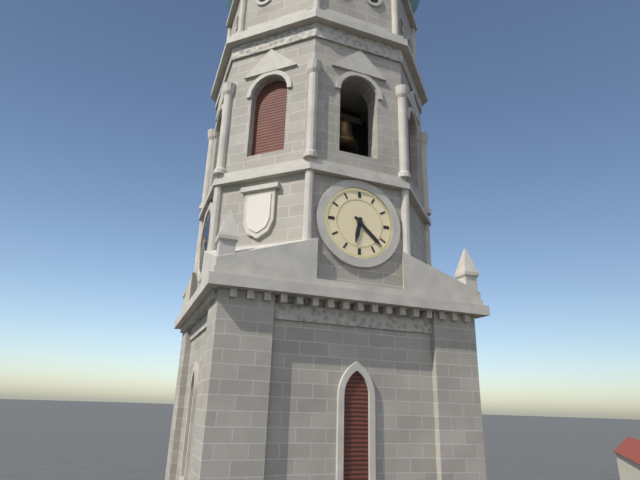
6.22
